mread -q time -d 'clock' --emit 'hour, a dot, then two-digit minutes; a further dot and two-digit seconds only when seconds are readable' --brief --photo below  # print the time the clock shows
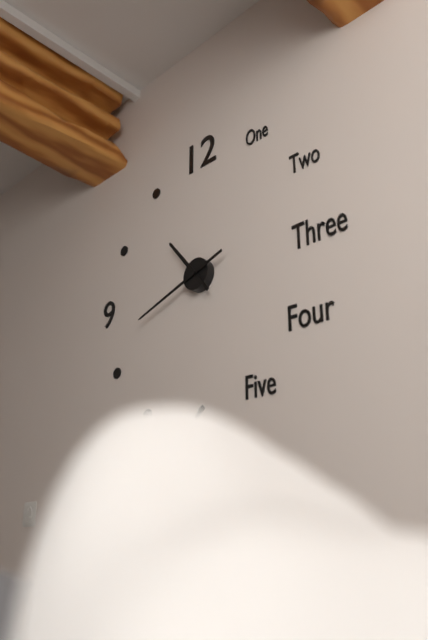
10.42
